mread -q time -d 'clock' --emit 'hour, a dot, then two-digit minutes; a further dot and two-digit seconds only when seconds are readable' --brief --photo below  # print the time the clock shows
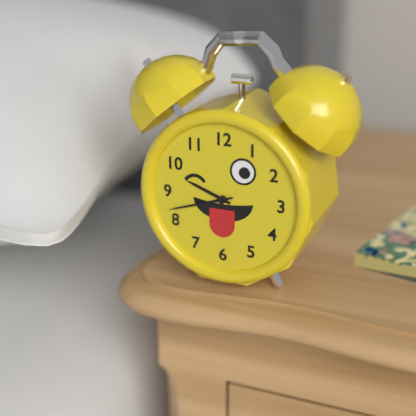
9.42
